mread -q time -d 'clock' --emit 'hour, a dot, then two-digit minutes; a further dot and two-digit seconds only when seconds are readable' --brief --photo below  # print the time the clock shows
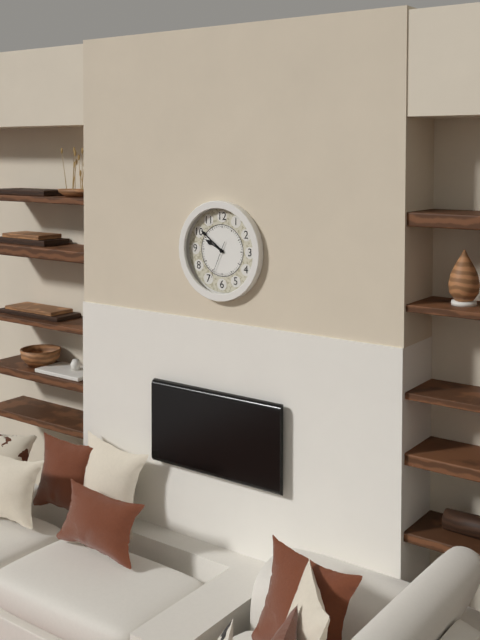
9.51
